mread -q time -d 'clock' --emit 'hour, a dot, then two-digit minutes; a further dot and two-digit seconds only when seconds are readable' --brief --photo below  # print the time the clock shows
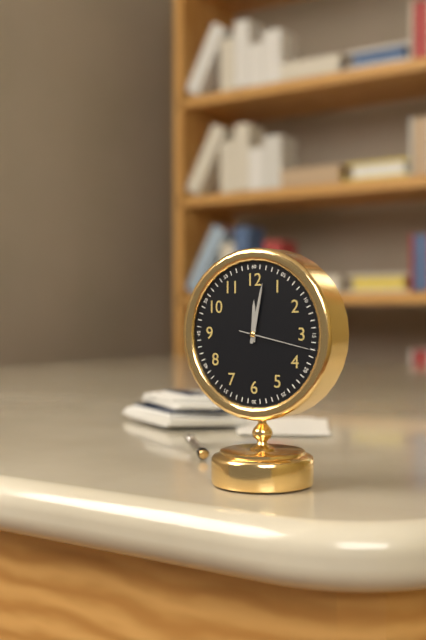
12.02.17
